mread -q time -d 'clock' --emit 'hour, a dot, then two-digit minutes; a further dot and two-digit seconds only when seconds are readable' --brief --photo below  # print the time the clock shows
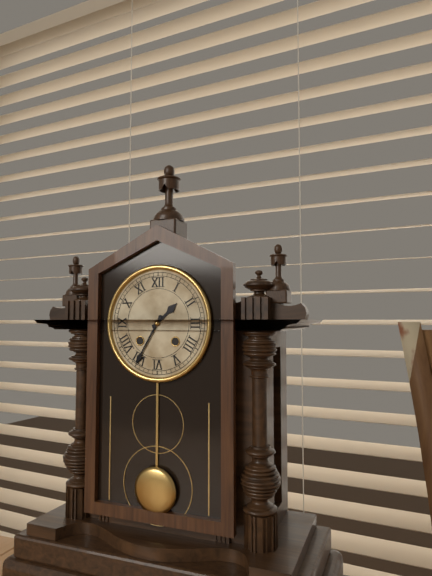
1.35
